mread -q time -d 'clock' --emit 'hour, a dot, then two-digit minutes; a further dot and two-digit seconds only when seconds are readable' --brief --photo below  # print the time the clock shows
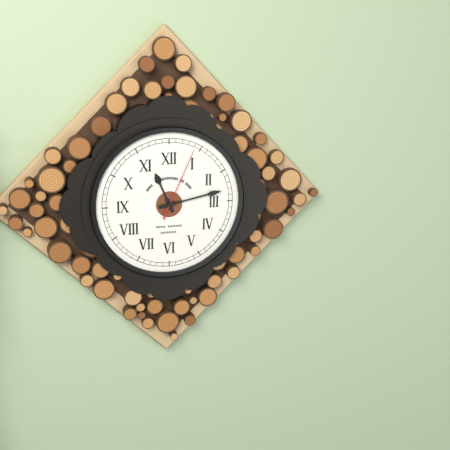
11.13.04
